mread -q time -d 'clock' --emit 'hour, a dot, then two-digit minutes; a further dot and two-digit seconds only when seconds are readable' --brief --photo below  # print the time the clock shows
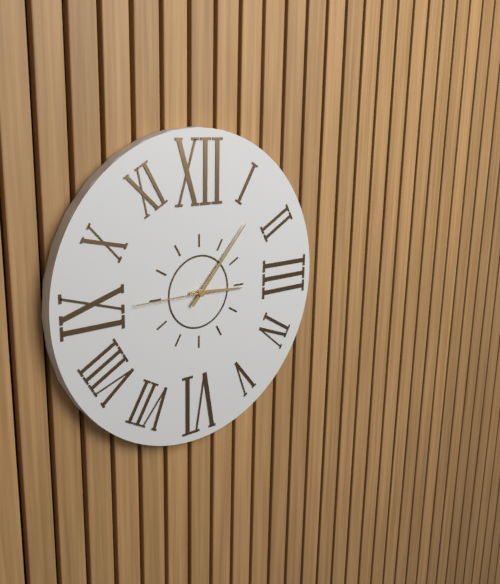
3.07.45
